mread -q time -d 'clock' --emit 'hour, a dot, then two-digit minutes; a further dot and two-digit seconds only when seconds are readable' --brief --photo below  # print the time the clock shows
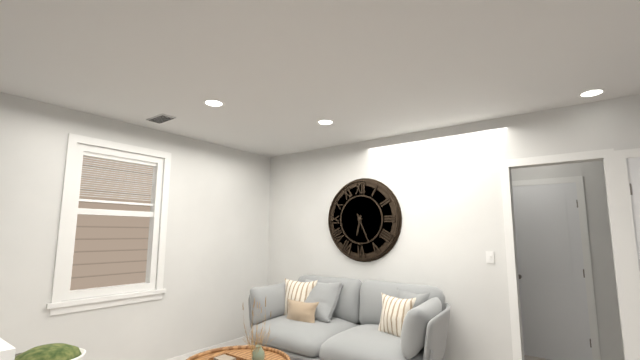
6.26
